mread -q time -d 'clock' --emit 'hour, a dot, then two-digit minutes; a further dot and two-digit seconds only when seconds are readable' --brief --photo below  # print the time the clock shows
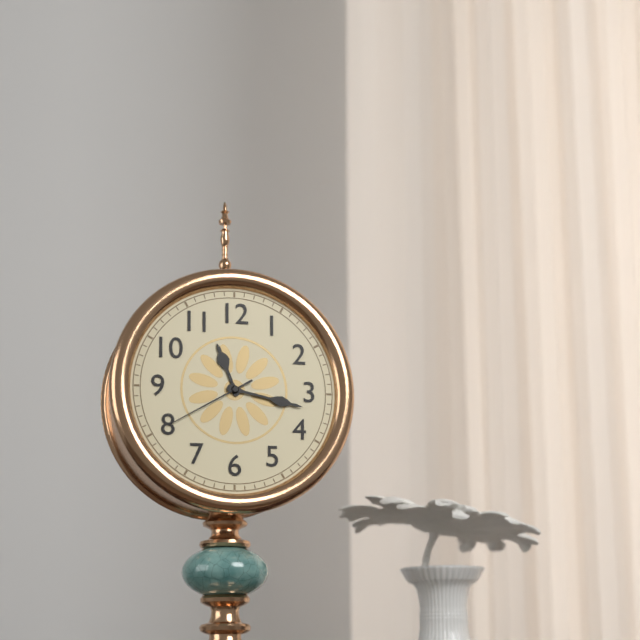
11.17.40
